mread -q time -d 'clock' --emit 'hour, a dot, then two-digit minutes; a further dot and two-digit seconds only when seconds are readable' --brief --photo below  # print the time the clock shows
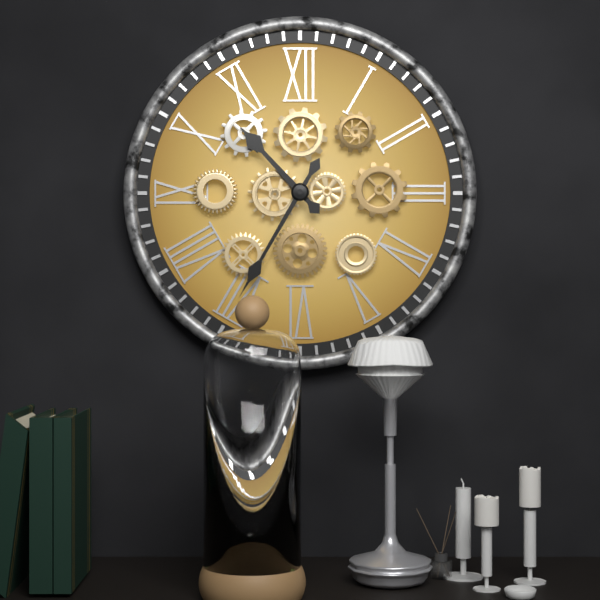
10.35
